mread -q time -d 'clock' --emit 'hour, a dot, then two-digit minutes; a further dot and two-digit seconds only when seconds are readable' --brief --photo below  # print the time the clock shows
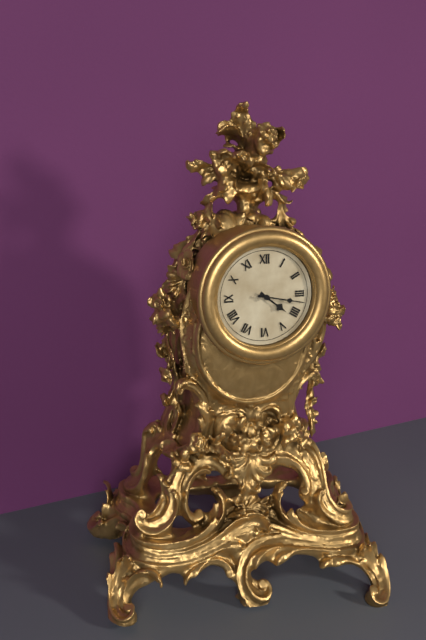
4.17
